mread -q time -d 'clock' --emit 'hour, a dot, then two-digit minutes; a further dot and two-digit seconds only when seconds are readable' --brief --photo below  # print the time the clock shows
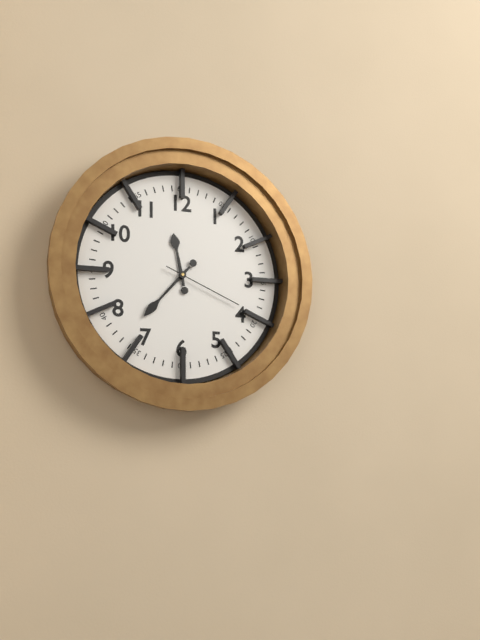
11.37.19
